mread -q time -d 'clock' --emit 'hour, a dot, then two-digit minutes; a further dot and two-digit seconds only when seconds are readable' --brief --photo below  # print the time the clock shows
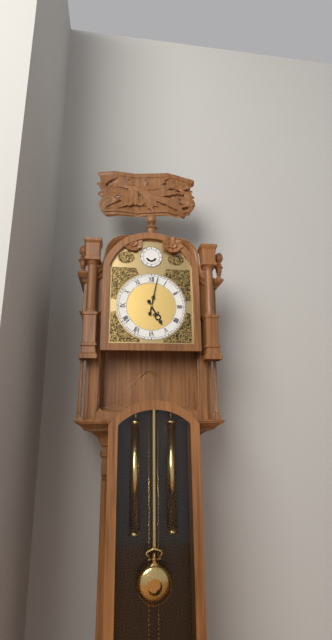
5.02
